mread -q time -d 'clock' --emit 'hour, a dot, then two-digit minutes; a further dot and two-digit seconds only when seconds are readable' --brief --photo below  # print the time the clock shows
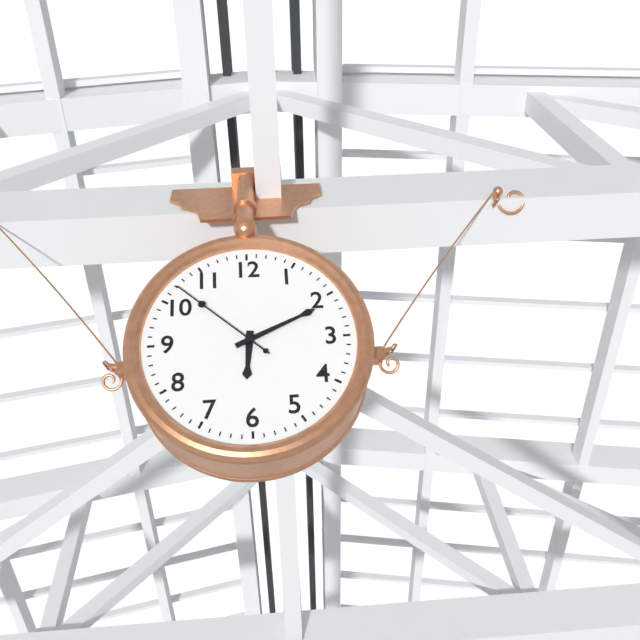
6.11.52
